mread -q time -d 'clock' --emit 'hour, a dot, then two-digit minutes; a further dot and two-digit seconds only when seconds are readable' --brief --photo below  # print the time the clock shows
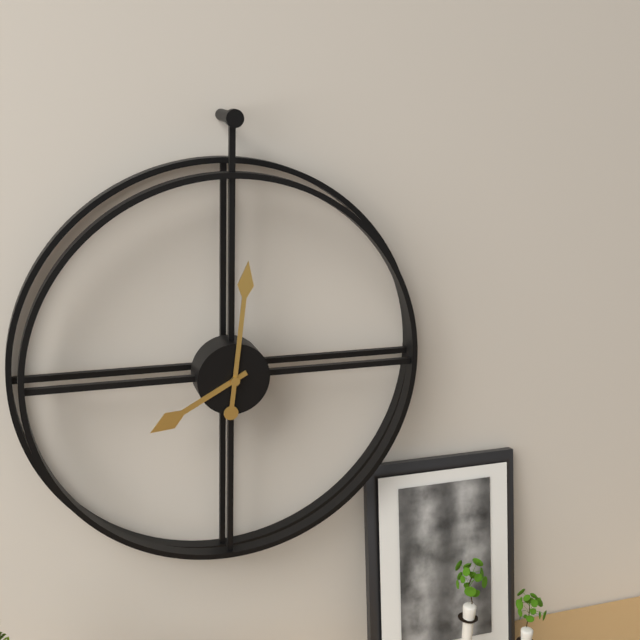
8.01
